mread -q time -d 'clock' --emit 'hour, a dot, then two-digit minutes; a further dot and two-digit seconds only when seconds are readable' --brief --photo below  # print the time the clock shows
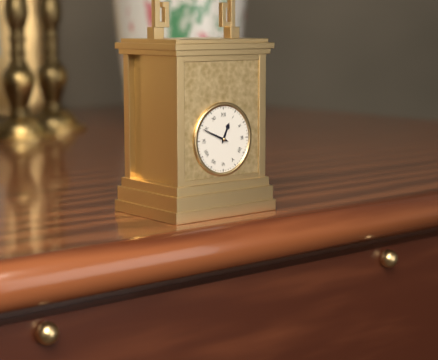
12.49
